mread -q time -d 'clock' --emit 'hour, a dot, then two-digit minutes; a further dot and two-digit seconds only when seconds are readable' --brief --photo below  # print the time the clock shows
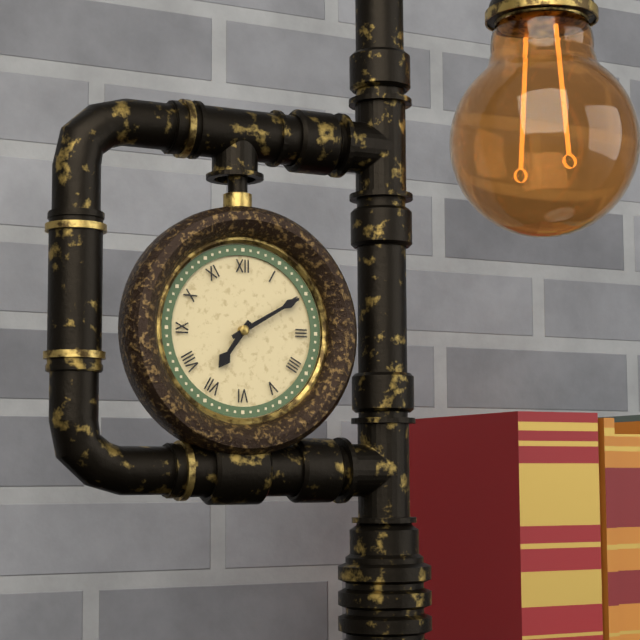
7.10
